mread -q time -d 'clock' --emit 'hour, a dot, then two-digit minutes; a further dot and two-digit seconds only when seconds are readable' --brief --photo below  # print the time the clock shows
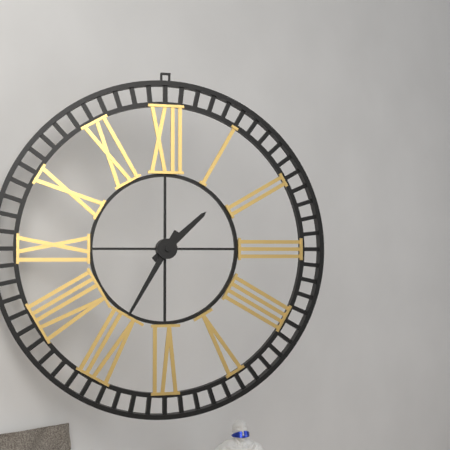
1.35
